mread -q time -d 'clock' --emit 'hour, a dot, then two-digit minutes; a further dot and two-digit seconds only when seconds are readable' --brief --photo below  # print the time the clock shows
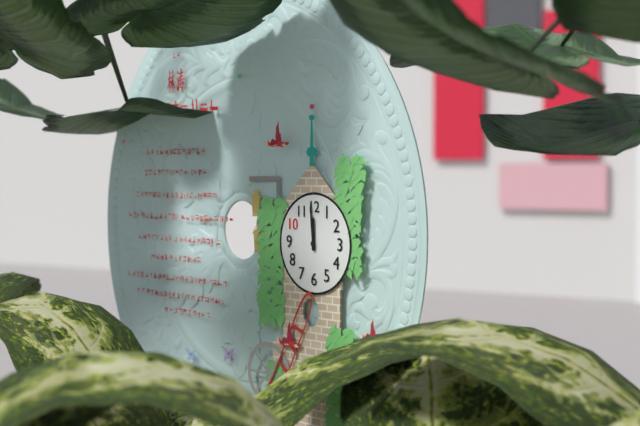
11.59
